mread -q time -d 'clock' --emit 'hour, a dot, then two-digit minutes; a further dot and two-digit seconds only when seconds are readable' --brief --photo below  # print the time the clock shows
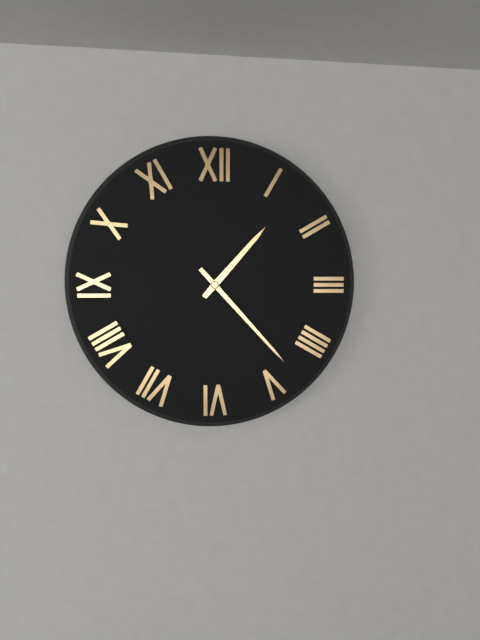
1.23
